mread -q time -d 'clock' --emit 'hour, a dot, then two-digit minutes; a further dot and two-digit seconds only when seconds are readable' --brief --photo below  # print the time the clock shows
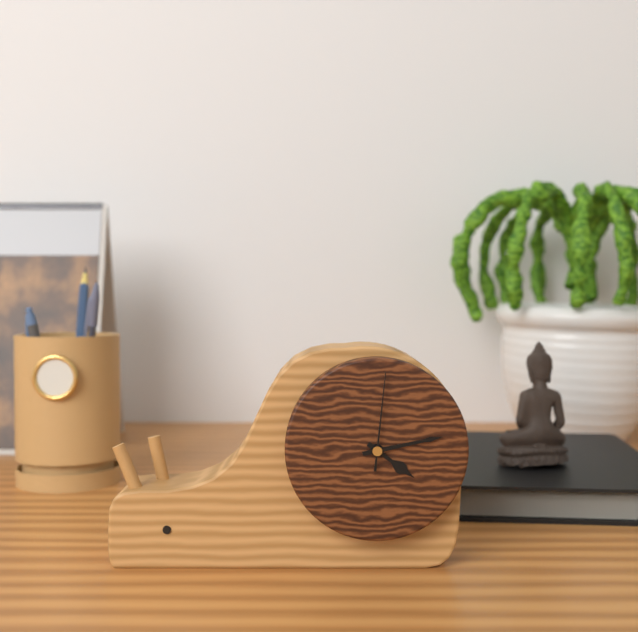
4.13.01
